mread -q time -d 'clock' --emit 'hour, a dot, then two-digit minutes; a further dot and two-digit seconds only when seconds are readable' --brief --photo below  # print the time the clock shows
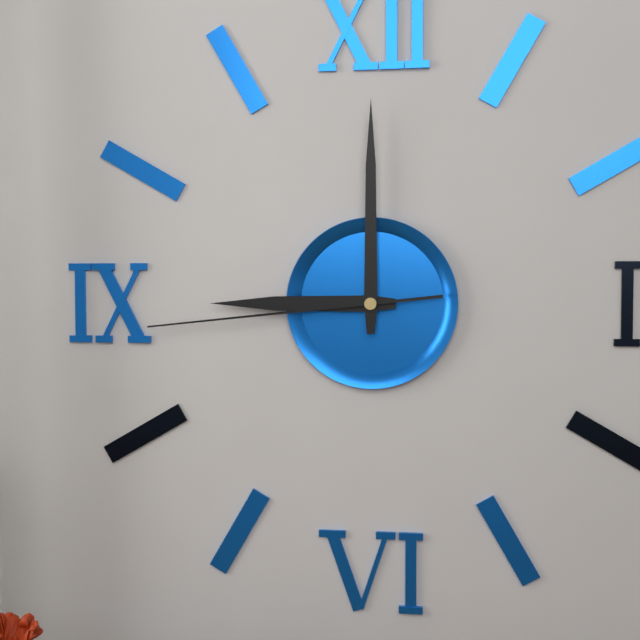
9.00.44
